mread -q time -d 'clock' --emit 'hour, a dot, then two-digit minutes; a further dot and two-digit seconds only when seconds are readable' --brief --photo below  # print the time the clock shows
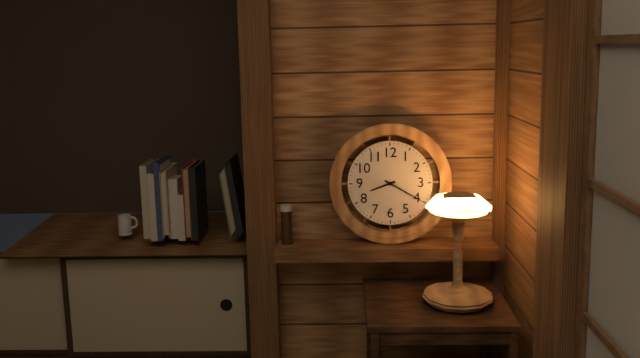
8.20
